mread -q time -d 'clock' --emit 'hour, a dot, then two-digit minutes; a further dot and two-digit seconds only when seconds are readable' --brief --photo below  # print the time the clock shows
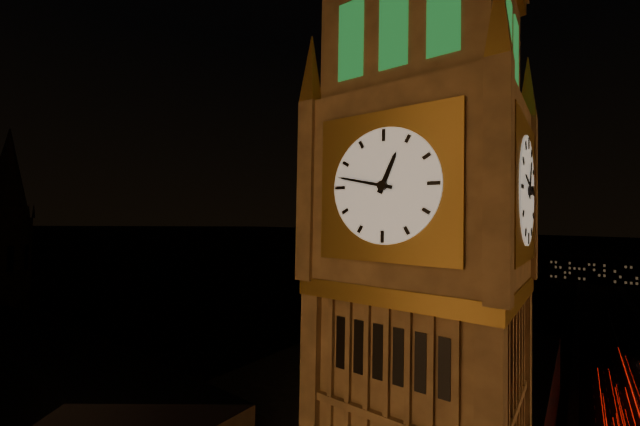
12.47
